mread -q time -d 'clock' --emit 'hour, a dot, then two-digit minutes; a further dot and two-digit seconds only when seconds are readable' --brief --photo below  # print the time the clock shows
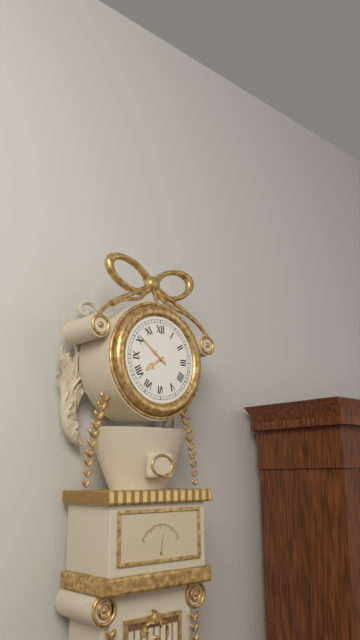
7.51
